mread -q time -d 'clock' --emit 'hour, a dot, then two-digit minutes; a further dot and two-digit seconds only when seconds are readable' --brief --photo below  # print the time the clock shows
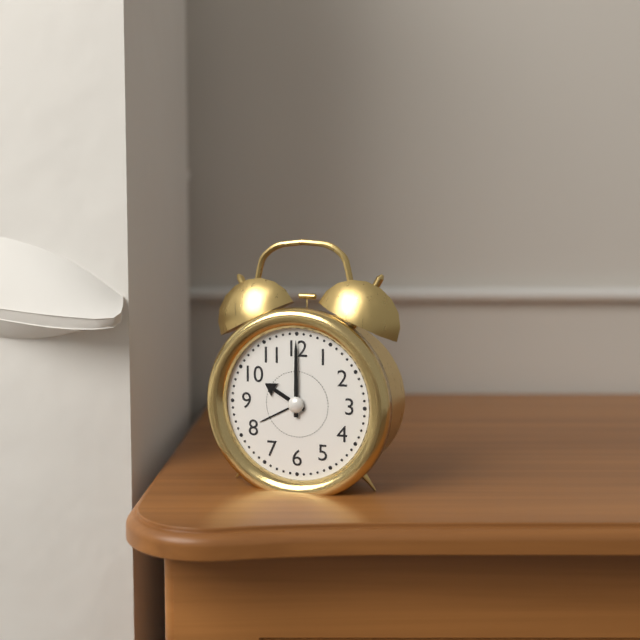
10.00
